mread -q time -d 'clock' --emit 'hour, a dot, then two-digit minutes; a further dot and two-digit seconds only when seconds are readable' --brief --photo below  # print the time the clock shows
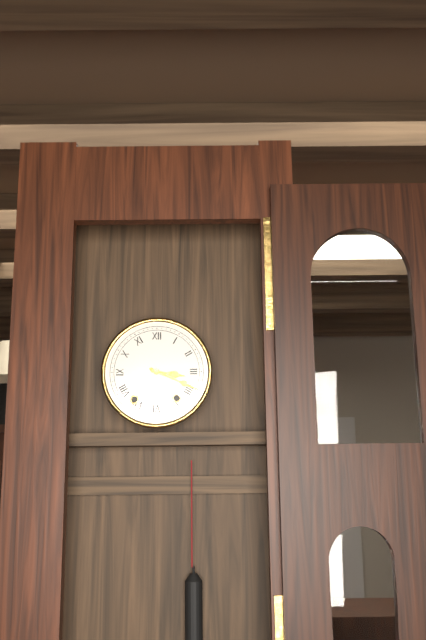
3.19
